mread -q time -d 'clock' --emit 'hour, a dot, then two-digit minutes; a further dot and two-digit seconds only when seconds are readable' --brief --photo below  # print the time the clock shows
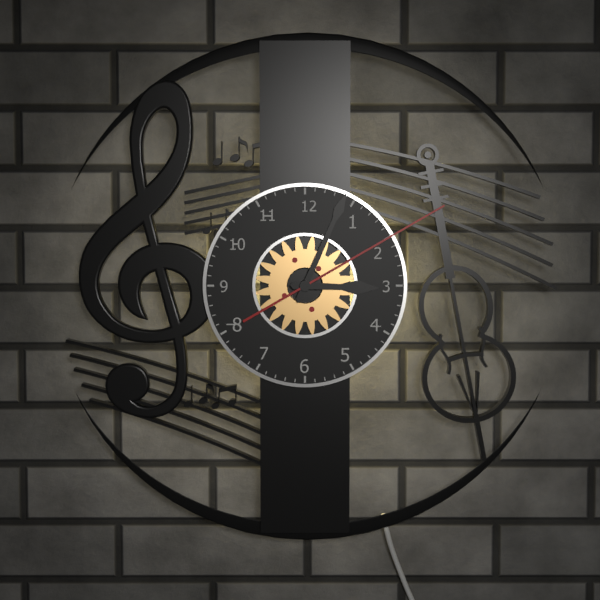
3.04.10
